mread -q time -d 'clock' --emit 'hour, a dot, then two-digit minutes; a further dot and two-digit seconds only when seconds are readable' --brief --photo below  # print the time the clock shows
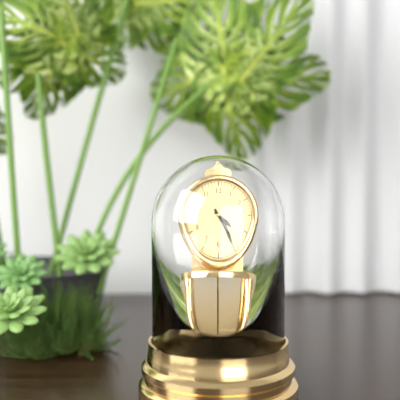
4.25
